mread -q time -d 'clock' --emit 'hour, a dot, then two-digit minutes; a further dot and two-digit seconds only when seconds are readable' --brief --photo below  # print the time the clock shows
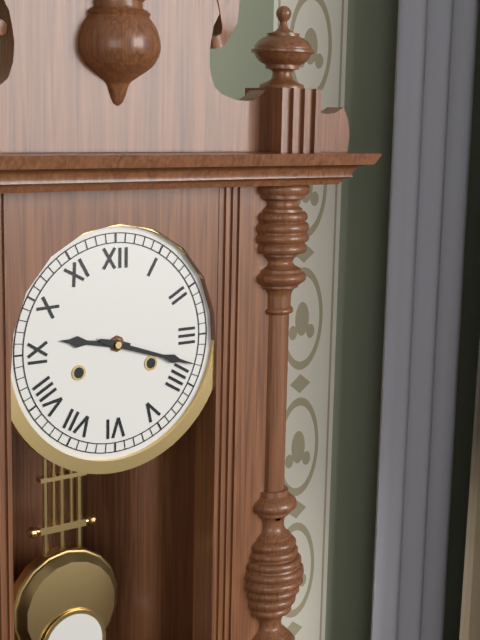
9.18
